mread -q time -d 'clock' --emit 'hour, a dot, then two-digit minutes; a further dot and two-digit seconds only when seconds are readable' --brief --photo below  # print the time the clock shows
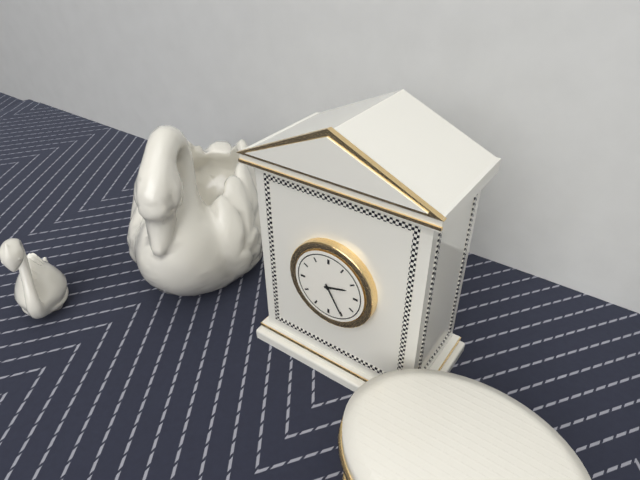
2.25
